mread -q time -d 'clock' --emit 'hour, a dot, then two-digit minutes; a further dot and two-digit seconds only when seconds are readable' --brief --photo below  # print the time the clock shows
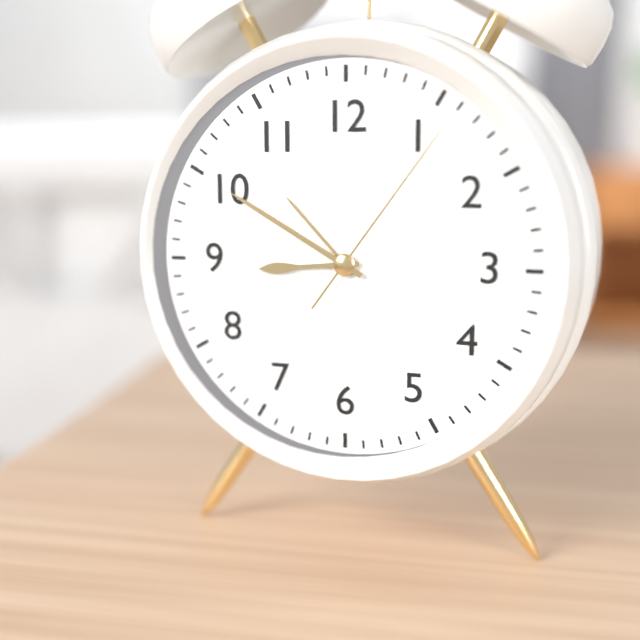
8.50.06
